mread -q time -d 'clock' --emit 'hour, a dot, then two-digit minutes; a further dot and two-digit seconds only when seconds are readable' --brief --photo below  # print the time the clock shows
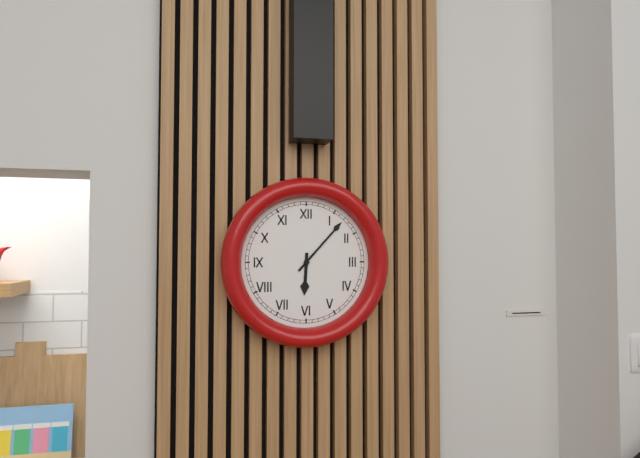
6.07
